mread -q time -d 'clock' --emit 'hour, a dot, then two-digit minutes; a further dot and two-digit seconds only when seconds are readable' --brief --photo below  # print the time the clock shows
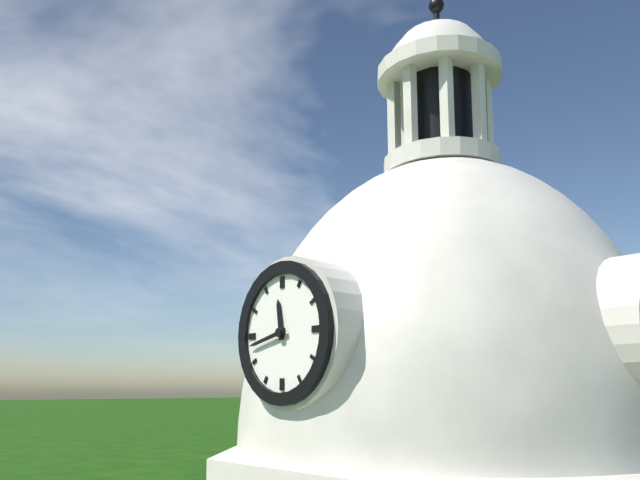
11.43
